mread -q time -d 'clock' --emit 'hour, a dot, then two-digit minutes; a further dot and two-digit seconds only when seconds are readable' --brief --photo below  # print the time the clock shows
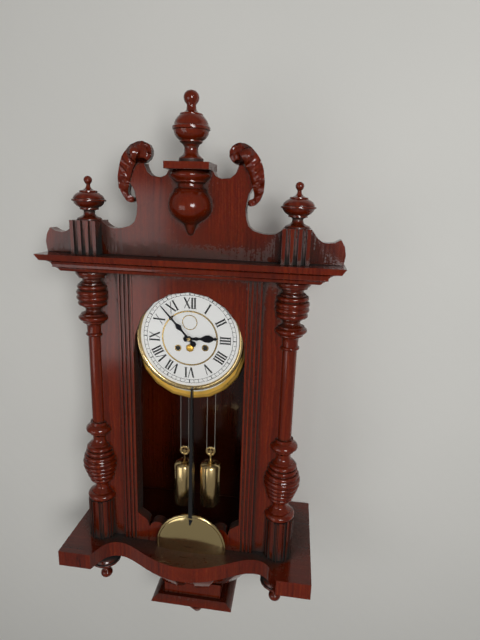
2.53
